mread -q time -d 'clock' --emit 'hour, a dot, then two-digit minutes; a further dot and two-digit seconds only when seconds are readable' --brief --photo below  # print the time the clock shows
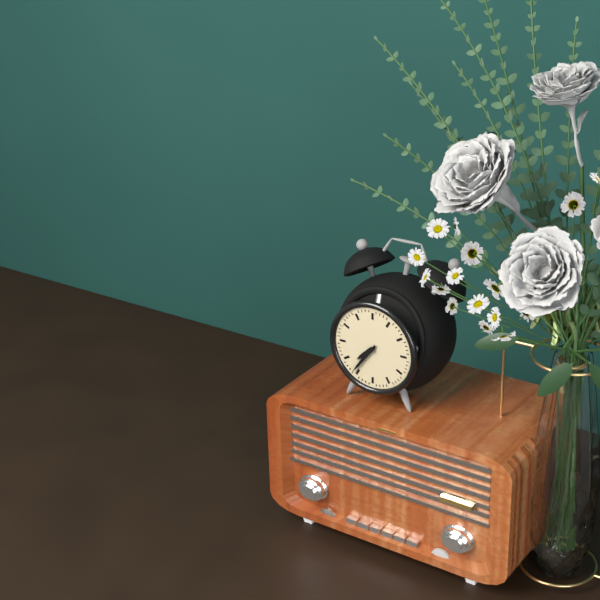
7.36
